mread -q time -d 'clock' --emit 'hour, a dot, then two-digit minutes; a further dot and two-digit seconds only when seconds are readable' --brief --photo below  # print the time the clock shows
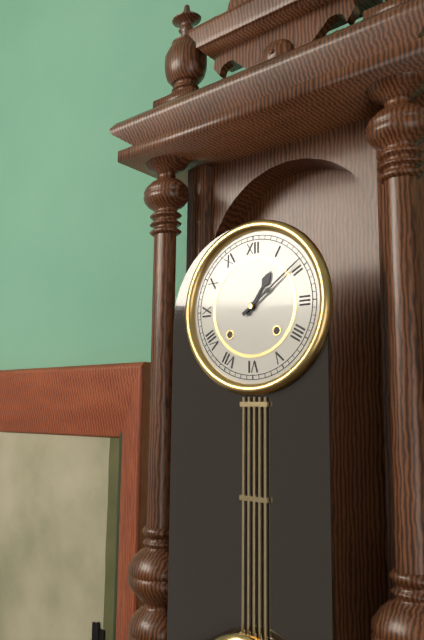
1.09
